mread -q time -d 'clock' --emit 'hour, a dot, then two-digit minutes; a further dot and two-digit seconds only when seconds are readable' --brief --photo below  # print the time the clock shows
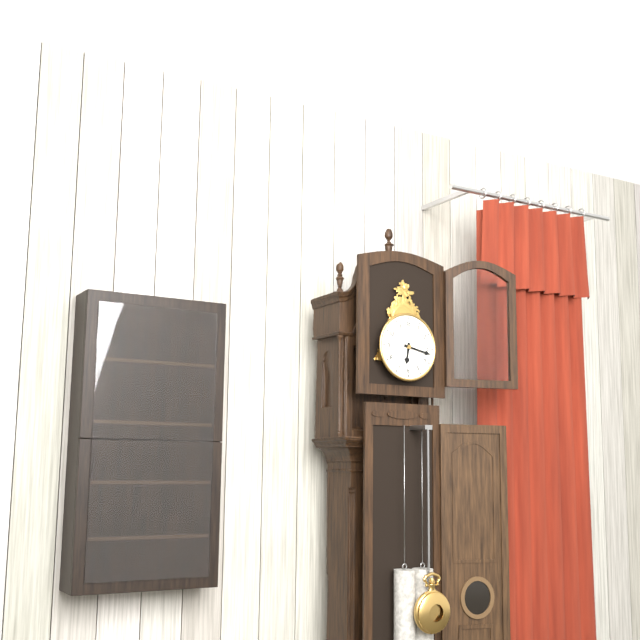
6.17
